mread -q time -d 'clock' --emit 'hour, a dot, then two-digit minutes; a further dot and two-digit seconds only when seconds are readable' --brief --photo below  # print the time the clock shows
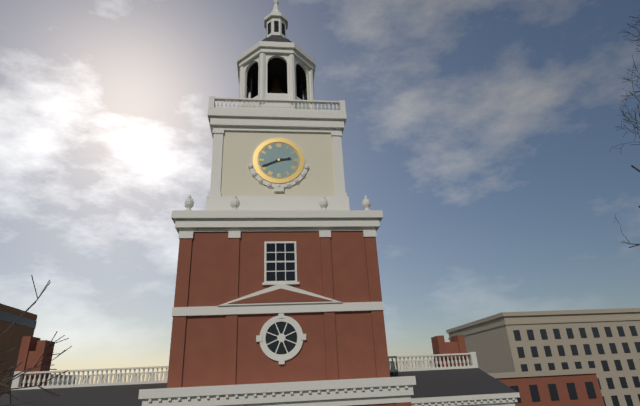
2.41
